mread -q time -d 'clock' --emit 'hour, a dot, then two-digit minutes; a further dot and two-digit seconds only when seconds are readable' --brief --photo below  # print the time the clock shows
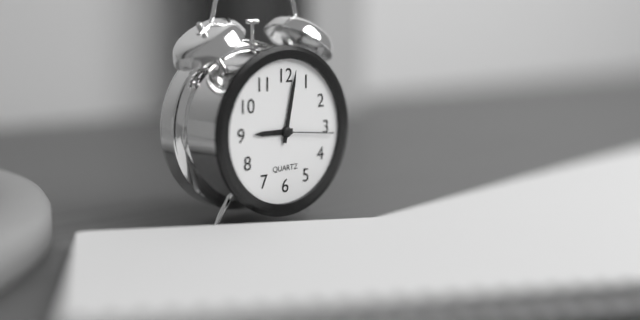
9.02.16
